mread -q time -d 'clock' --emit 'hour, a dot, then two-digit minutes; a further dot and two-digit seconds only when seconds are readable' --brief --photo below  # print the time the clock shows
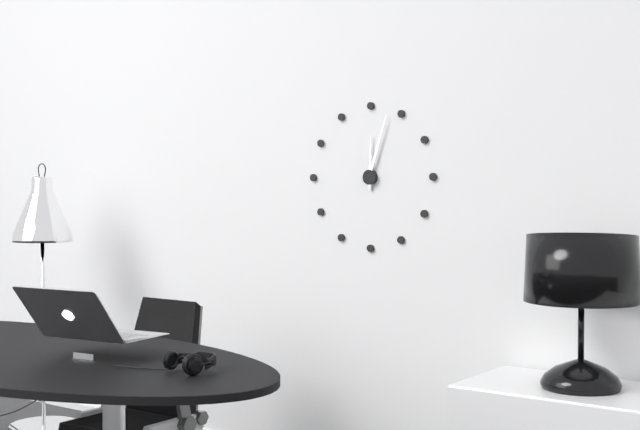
12.03
